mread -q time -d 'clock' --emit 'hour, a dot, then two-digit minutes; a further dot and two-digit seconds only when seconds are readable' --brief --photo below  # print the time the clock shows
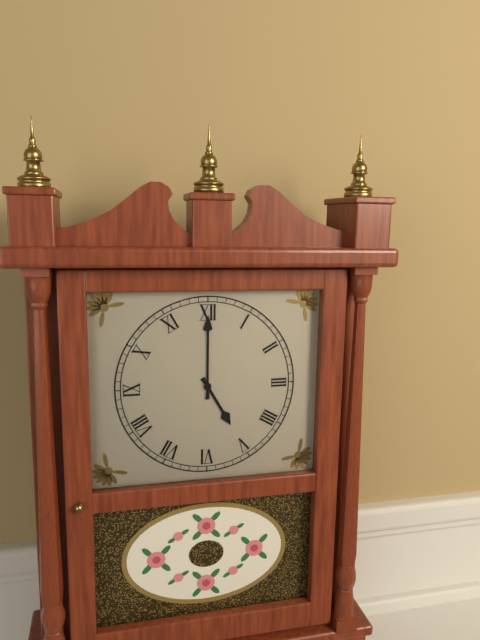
5.00
